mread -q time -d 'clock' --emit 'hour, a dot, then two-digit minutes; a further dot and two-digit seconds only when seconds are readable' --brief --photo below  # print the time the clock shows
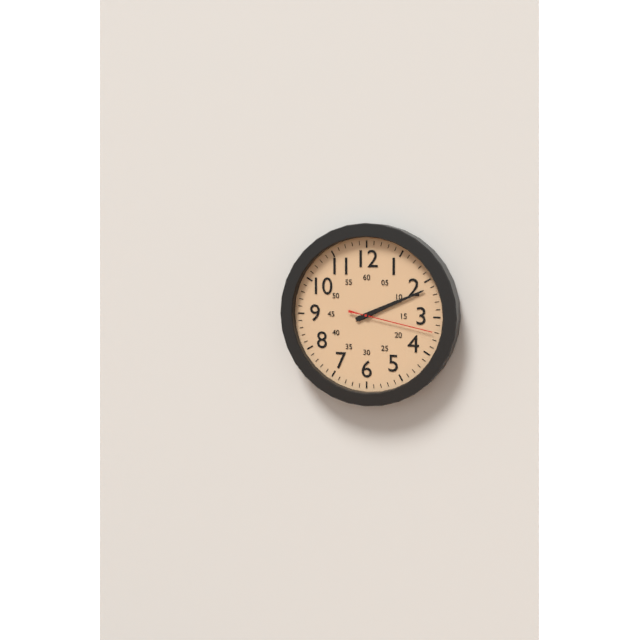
2.11.17
